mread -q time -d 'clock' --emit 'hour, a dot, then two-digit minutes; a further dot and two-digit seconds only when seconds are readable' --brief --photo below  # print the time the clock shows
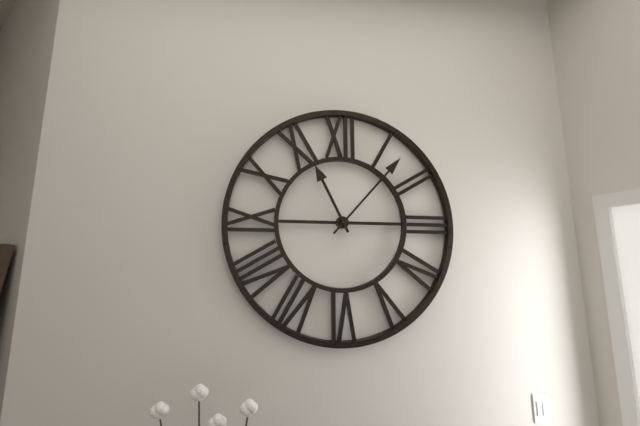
11.07
